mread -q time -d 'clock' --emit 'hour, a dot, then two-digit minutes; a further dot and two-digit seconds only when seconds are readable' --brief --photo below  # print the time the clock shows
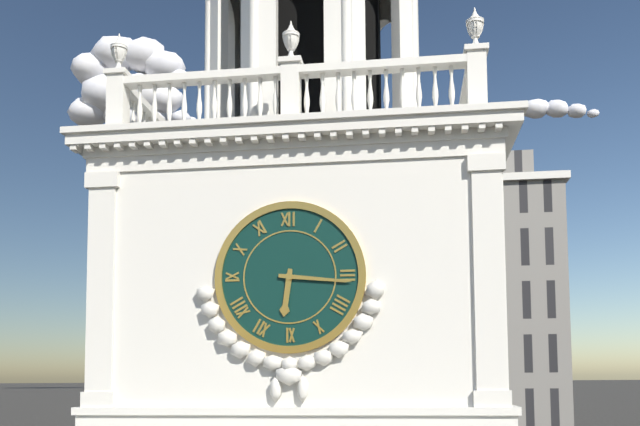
6.16
